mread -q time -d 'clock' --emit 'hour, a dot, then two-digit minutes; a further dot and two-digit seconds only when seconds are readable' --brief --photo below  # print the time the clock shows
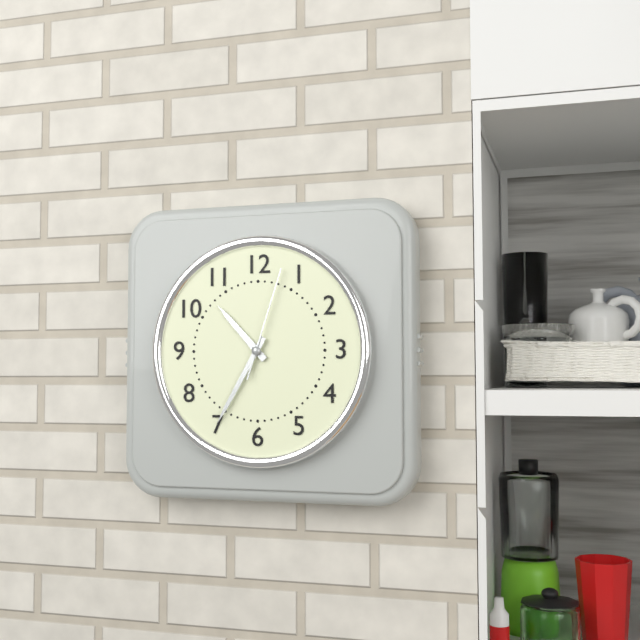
10.35.03
